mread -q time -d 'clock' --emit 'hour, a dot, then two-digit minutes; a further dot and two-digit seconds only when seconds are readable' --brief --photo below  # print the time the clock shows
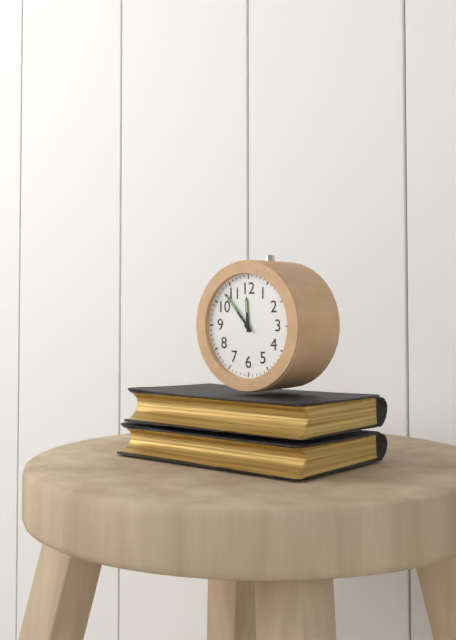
11.53
